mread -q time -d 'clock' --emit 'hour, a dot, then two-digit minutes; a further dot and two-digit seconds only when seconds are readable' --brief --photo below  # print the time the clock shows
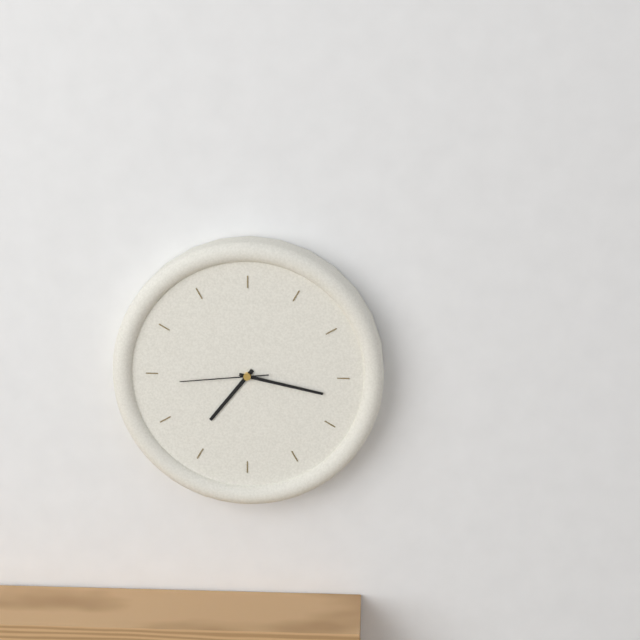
7.17.44
